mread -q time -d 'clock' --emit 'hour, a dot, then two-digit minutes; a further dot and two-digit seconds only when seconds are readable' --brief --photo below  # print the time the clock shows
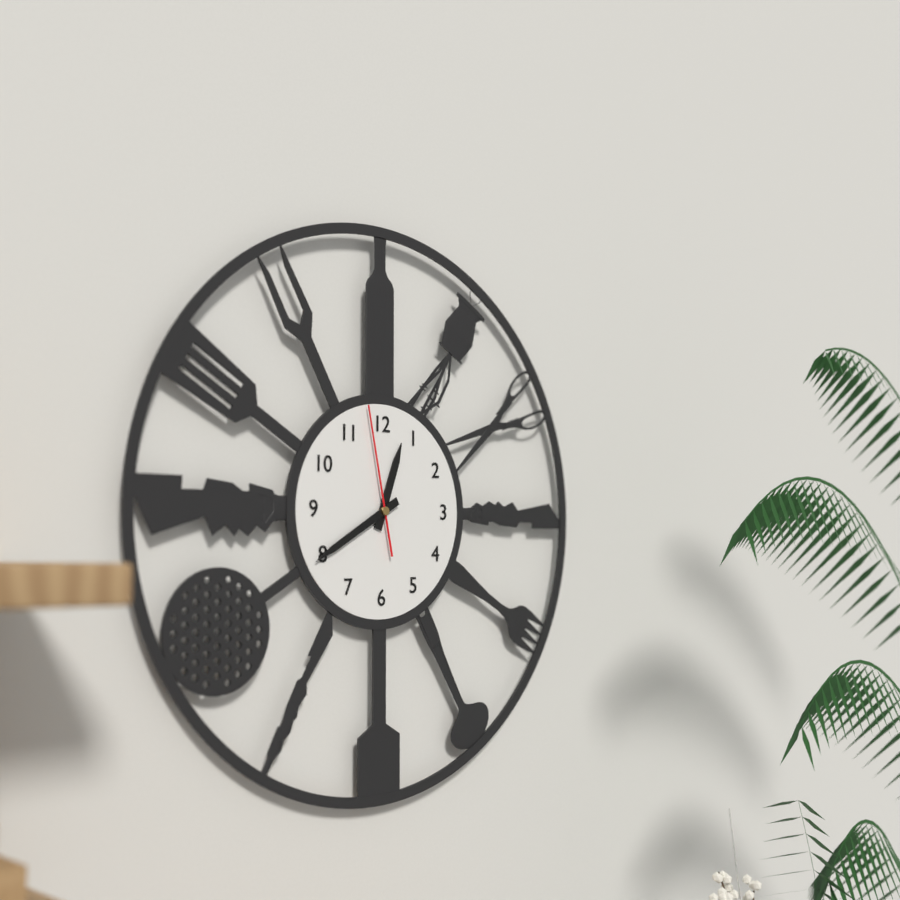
12.40.58
